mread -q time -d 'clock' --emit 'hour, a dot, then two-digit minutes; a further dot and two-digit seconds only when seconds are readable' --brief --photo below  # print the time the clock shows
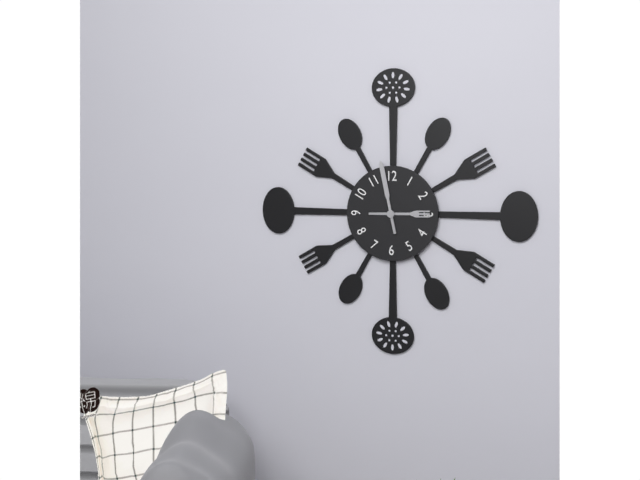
2.58
